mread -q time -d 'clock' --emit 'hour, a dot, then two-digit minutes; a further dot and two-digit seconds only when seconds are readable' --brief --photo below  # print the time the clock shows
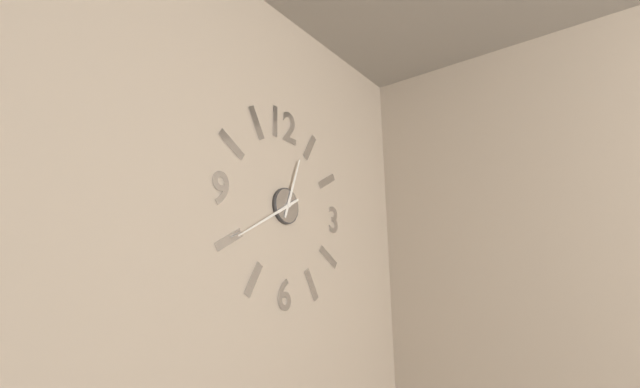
12.40
